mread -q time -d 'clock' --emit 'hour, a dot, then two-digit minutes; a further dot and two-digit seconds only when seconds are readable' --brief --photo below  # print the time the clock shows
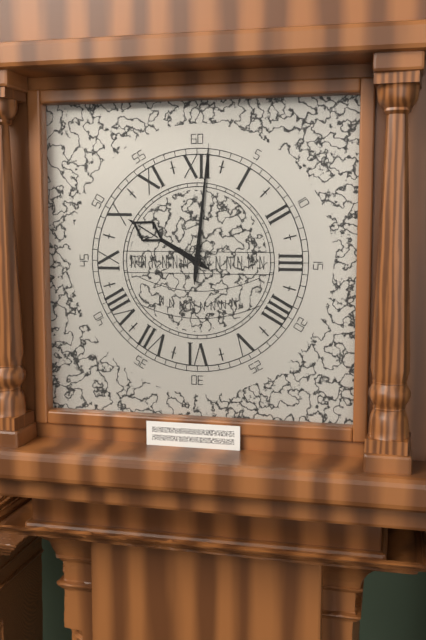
10.01
